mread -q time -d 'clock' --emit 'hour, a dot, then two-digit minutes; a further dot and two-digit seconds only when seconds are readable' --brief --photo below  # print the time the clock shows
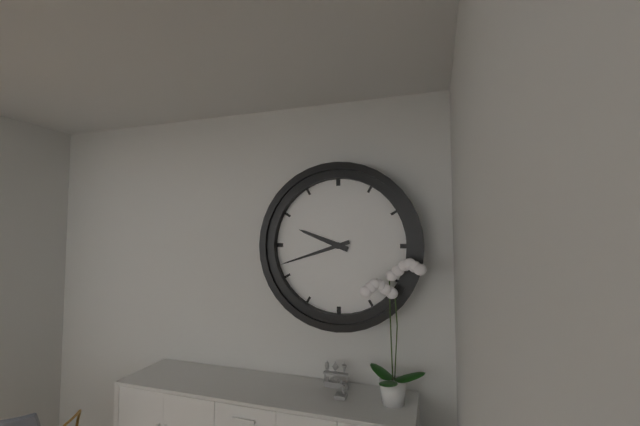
9.42
